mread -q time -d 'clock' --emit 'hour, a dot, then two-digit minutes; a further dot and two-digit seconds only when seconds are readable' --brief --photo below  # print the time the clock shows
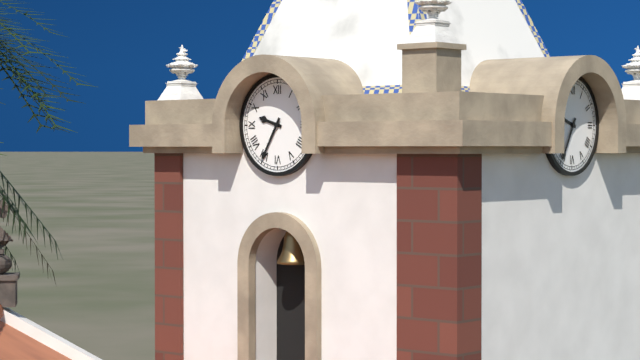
9.35
